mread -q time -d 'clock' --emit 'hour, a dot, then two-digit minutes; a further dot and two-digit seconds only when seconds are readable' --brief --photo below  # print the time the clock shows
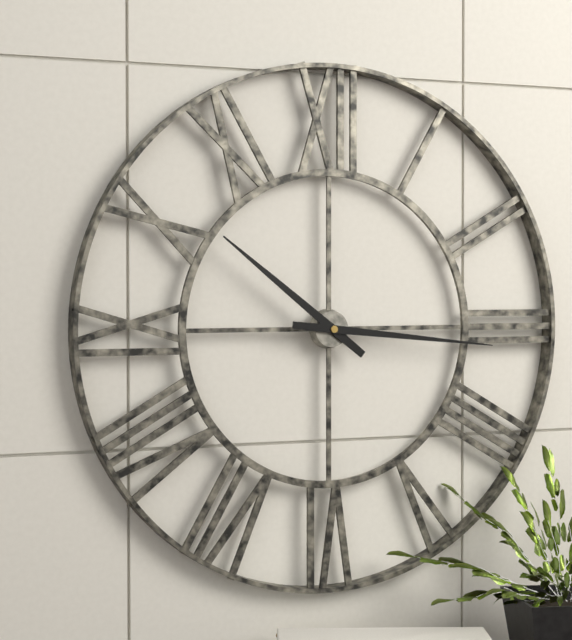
10.16
